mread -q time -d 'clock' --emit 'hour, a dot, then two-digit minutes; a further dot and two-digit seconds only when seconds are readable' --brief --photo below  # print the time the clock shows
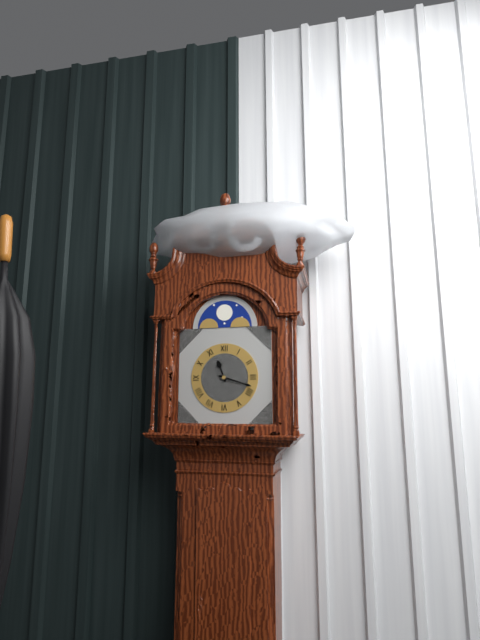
11.18
